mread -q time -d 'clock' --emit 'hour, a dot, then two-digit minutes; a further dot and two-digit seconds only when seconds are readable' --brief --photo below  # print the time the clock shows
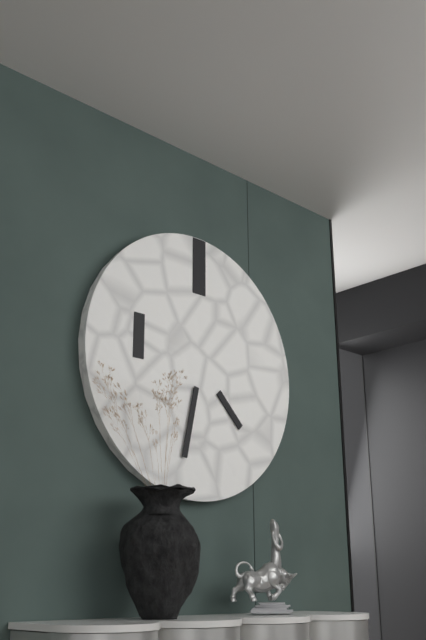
4.32
